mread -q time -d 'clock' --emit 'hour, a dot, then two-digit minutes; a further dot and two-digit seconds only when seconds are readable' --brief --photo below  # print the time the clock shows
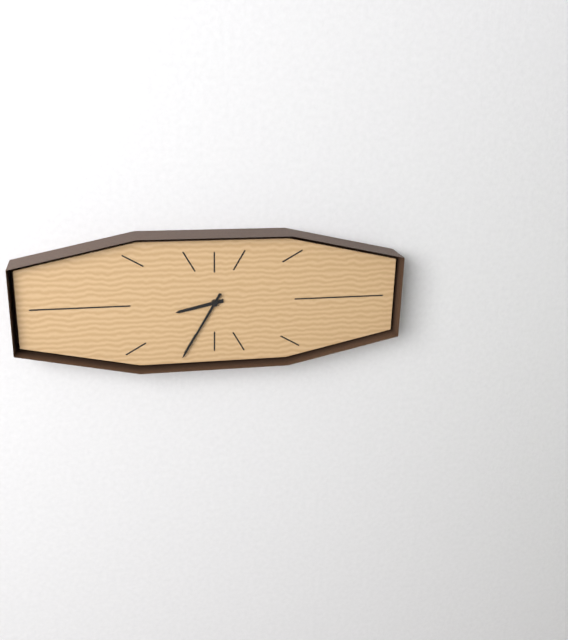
8.35
